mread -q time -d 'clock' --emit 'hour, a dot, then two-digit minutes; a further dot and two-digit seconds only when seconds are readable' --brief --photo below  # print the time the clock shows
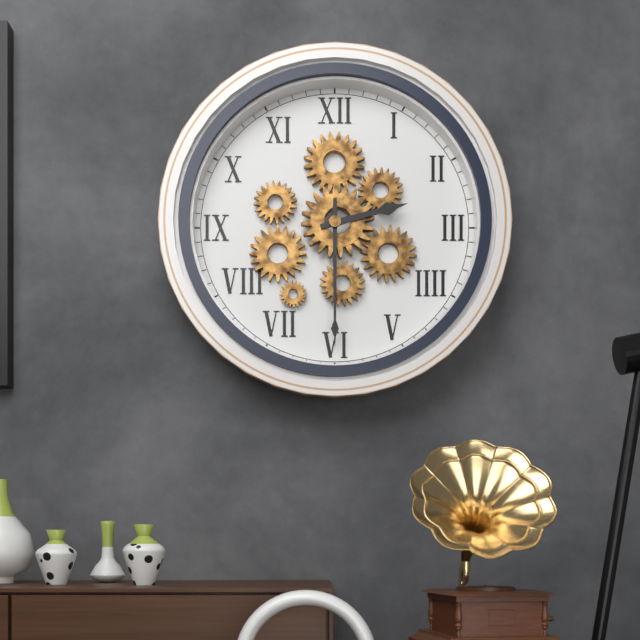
2.30
